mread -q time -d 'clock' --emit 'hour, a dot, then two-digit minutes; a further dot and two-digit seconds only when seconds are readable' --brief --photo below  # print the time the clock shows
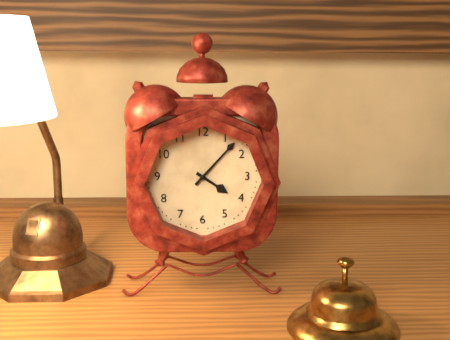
4.07
